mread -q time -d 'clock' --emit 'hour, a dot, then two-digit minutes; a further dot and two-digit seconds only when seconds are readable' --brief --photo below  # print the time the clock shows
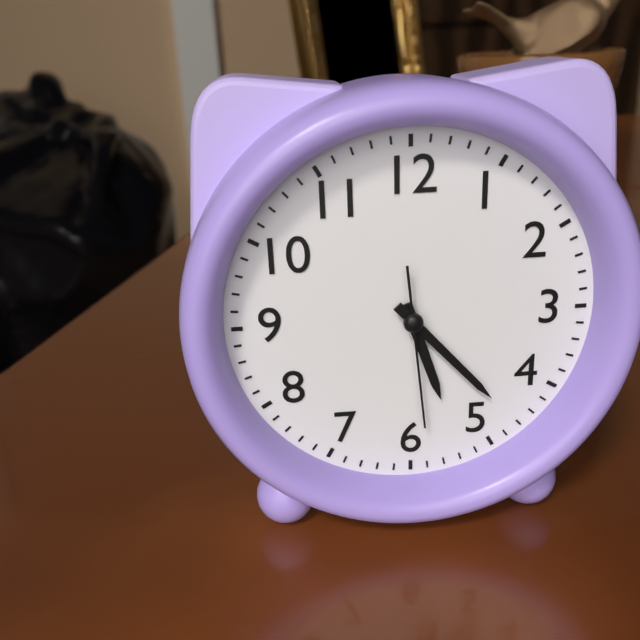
5.23.29
